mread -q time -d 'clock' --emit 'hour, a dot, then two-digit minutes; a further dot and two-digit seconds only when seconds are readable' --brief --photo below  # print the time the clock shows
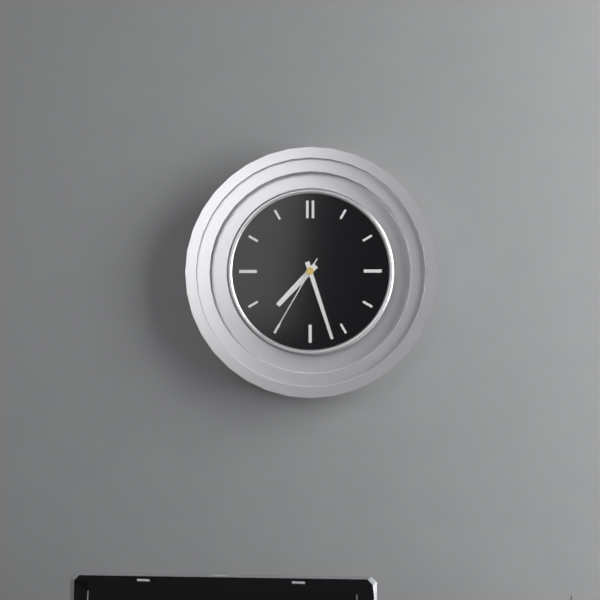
7.27.35
